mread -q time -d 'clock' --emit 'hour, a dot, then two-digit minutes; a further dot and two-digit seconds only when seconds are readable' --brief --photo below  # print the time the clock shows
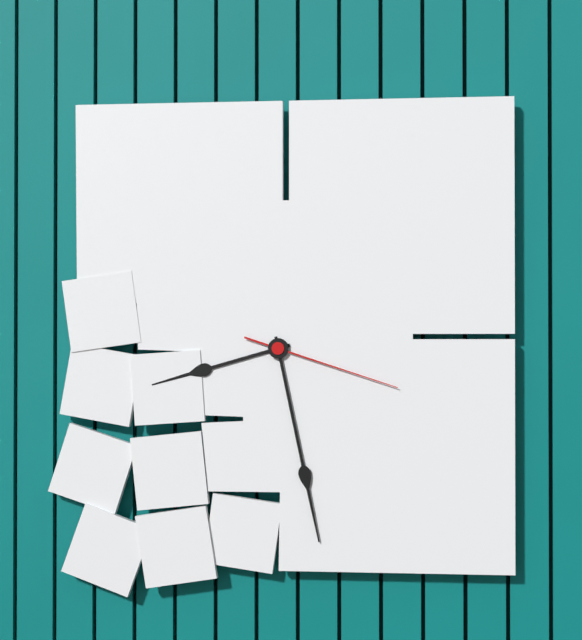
8.28.18
